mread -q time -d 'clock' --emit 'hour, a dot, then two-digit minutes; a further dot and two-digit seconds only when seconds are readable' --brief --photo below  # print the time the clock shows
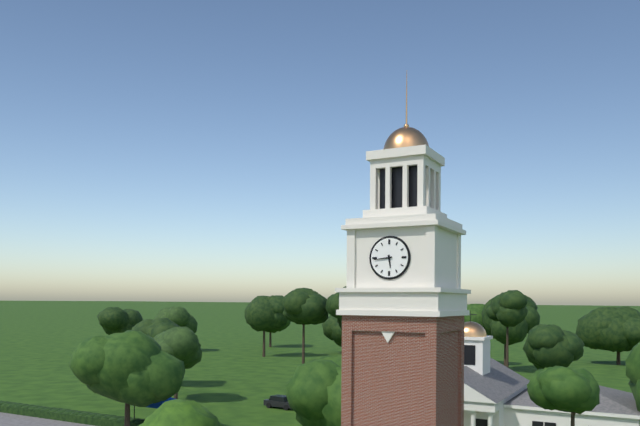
5.44
